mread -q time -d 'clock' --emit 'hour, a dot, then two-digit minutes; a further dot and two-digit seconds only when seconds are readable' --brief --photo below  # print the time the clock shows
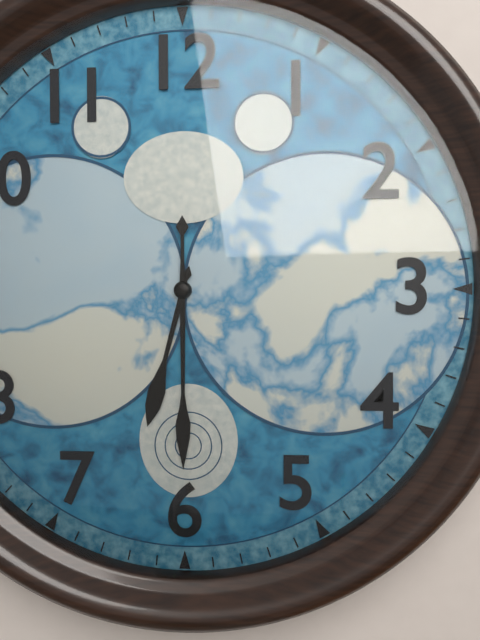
6.30
